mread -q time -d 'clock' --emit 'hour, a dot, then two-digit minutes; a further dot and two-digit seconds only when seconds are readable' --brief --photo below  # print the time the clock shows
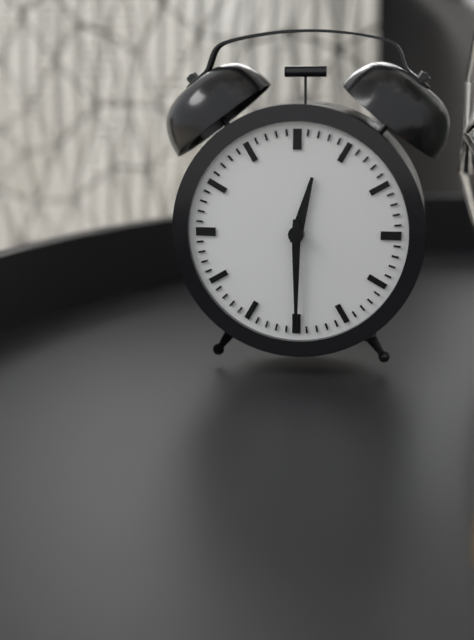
12.30
